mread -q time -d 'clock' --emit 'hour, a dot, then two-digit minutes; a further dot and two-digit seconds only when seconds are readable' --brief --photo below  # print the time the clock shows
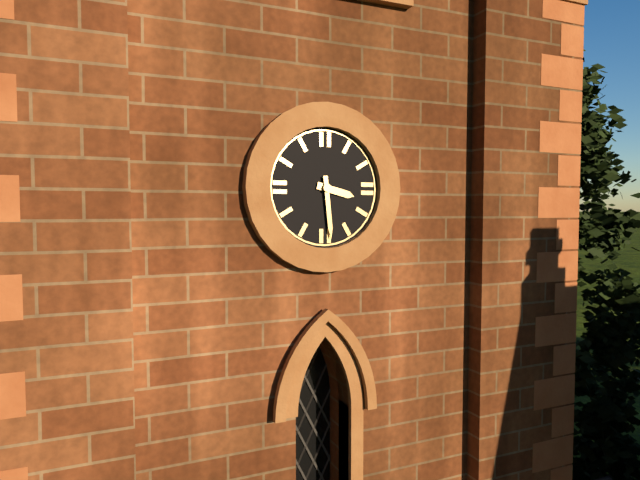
3.29
